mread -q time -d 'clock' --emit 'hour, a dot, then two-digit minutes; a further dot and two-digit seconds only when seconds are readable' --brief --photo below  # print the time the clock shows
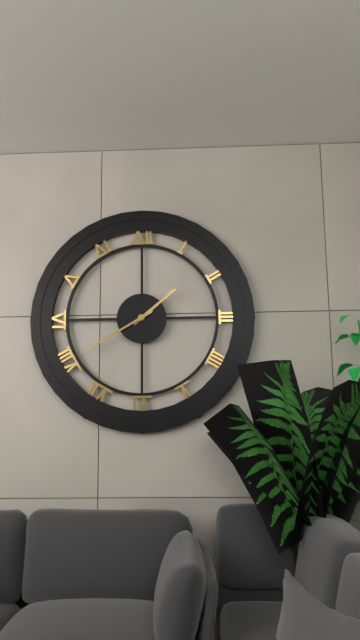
1.40
